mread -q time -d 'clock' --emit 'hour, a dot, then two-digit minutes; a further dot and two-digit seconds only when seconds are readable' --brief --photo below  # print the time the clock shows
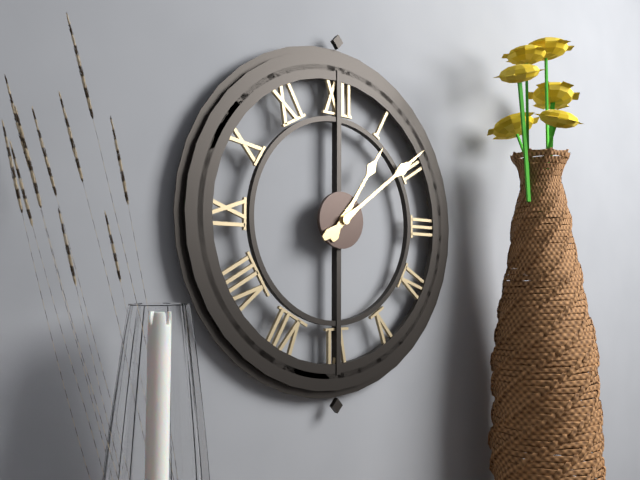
1.09
